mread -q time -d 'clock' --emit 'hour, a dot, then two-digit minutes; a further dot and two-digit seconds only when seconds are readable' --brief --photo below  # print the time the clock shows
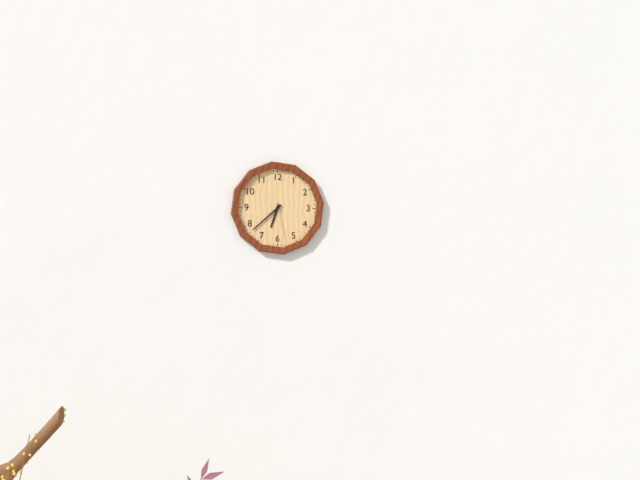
6.38
